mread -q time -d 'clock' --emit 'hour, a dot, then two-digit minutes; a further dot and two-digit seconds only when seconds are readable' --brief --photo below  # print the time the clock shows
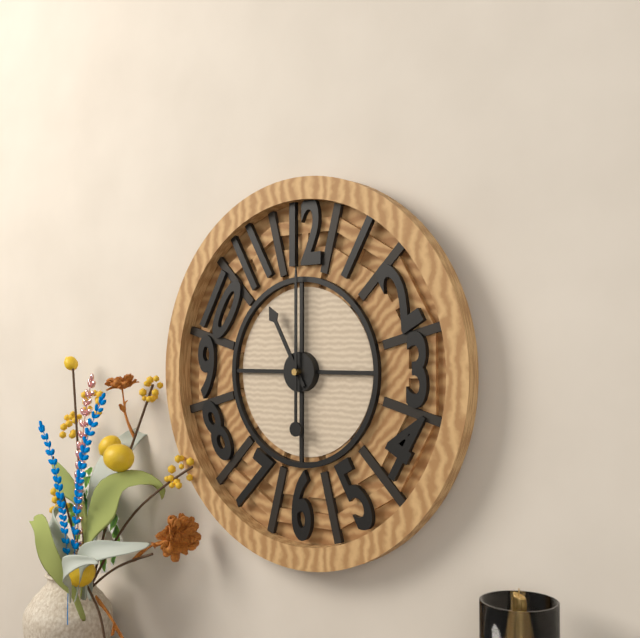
11.00
